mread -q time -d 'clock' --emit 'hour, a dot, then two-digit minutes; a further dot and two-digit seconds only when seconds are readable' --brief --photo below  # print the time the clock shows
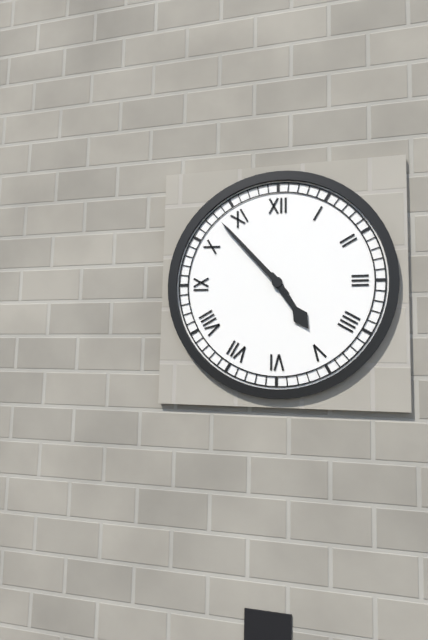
4.53
